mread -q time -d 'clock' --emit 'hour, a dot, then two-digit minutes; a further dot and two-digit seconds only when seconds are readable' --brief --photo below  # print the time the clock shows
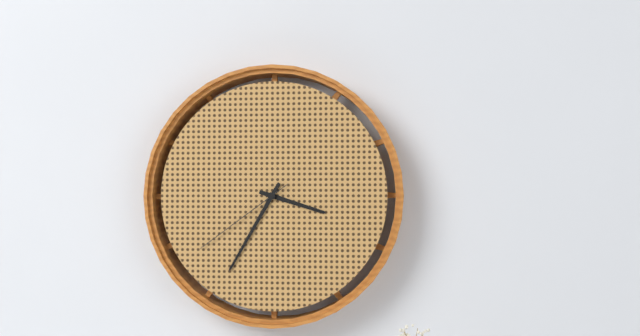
3.35.39
